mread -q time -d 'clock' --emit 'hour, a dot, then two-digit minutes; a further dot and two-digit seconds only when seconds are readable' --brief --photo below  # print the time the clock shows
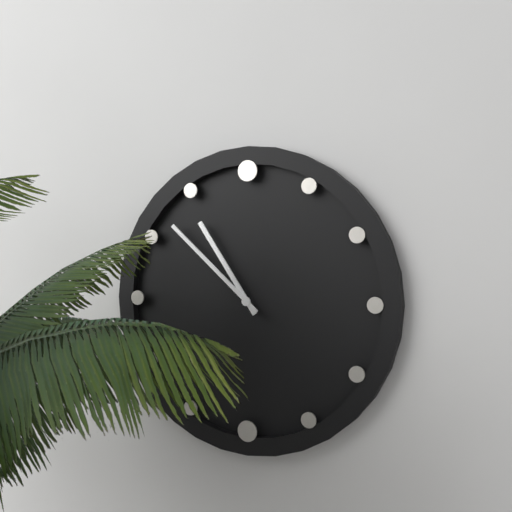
10.52
